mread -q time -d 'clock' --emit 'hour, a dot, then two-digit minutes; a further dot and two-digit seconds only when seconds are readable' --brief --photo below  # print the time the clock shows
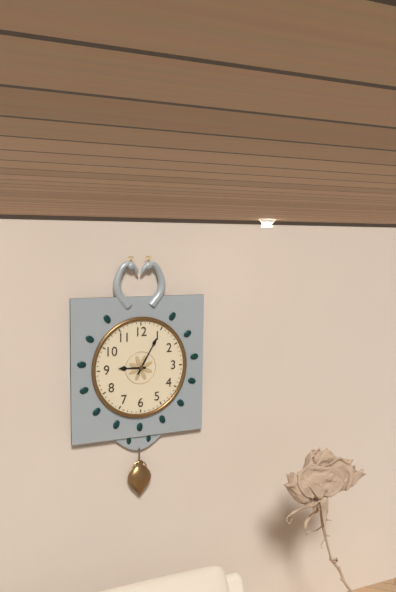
9.05
